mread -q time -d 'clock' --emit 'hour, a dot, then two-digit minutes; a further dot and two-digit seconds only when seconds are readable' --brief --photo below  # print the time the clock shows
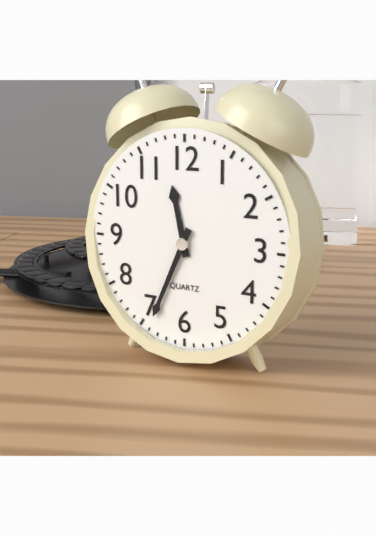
11.34
